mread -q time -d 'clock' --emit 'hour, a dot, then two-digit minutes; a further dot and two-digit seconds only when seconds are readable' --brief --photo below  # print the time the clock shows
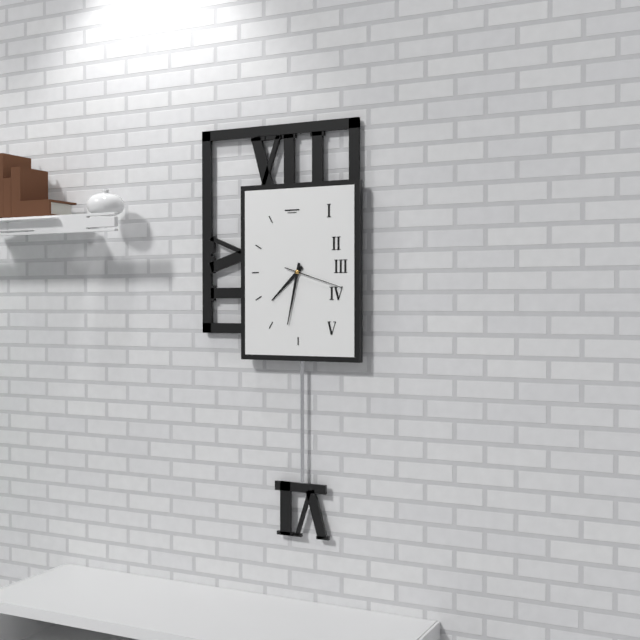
7.32.18
